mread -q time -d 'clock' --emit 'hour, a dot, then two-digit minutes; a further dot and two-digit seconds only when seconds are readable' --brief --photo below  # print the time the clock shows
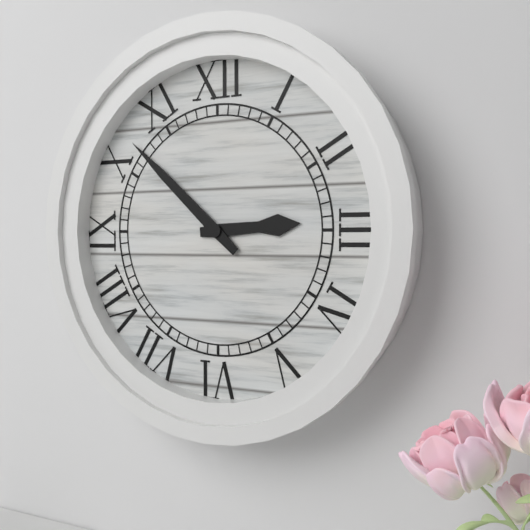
2.52
